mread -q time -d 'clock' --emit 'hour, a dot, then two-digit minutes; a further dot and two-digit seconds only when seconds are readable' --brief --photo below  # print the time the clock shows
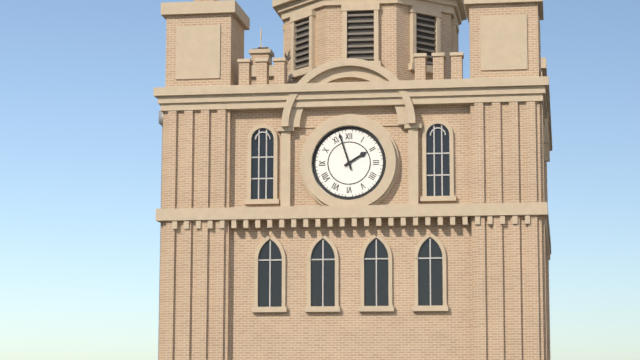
1.57
